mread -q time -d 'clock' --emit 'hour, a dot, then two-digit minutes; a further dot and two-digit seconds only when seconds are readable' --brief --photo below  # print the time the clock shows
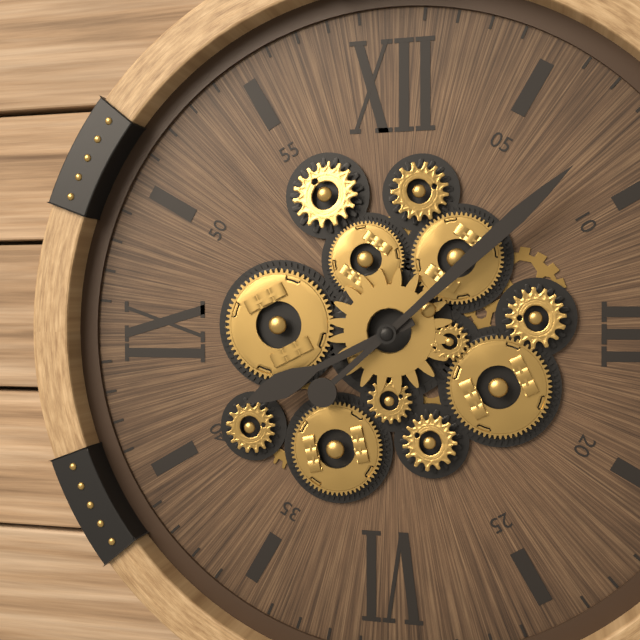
8.08
